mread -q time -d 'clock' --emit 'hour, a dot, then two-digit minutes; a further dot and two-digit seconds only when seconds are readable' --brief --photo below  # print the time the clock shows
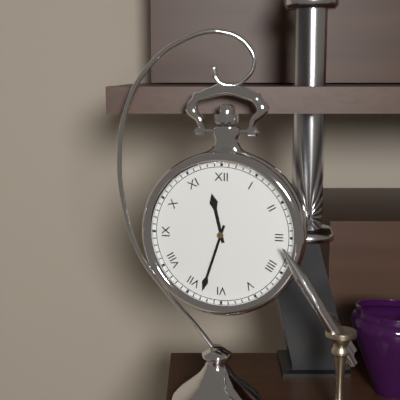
11.33
